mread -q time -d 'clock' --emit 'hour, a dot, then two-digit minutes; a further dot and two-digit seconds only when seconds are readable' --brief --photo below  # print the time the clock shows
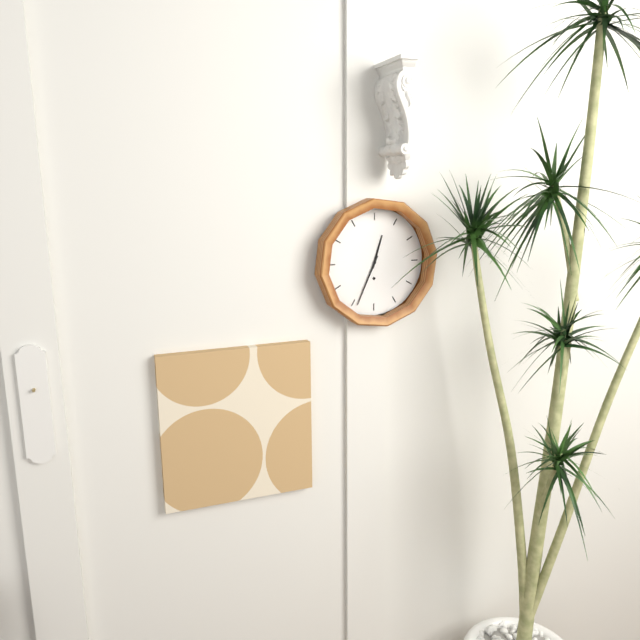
12.34
